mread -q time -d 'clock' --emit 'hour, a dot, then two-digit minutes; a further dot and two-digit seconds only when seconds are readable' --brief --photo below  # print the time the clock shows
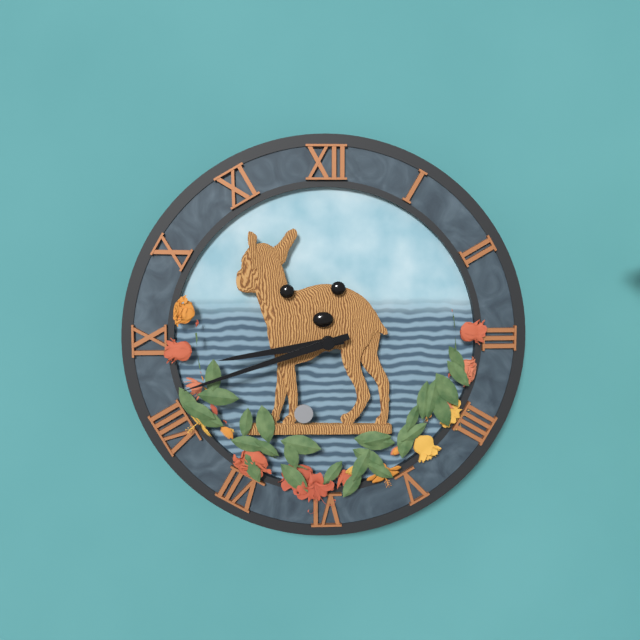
8.42
